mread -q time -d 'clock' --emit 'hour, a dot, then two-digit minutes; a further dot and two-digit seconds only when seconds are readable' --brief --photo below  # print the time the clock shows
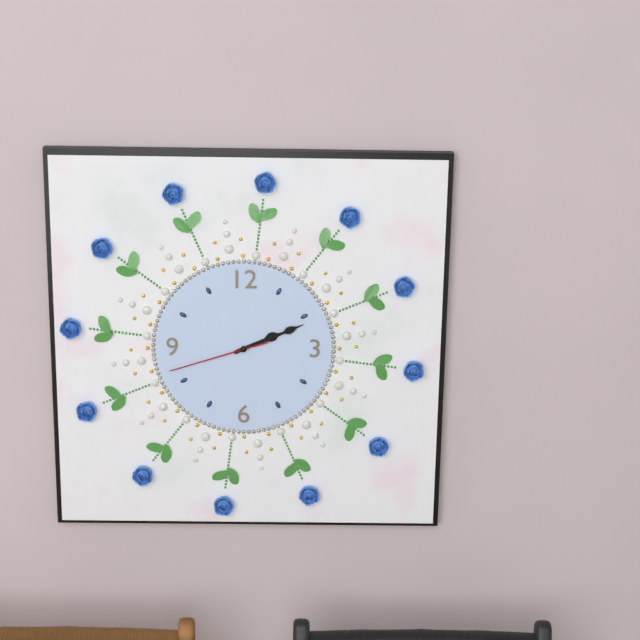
2.11.42
